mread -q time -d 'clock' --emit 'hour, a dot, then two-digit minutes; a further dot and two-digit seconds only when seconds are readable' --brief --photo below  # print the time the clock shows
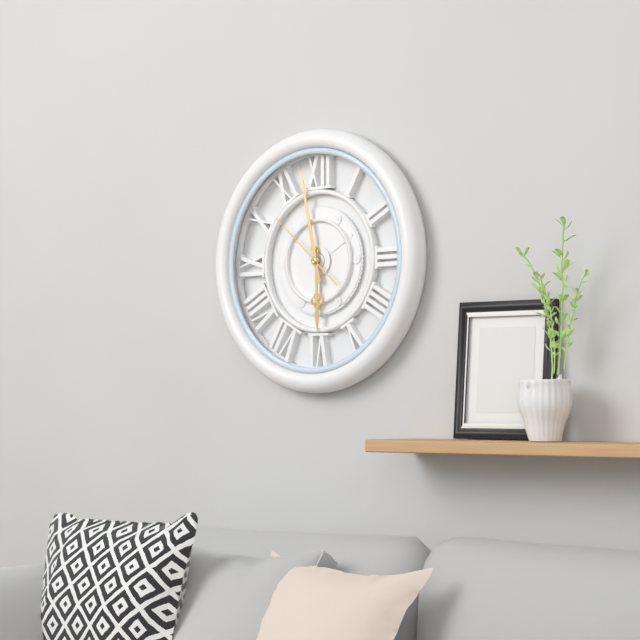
5.58.52
